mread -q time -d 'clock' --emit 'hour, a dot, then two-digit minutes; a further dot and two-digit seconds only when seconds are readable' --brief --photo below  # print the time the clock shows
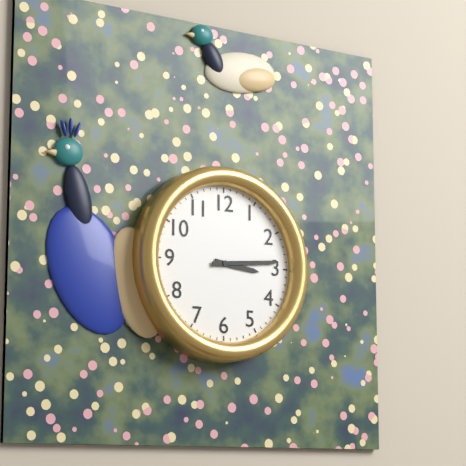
3.14
